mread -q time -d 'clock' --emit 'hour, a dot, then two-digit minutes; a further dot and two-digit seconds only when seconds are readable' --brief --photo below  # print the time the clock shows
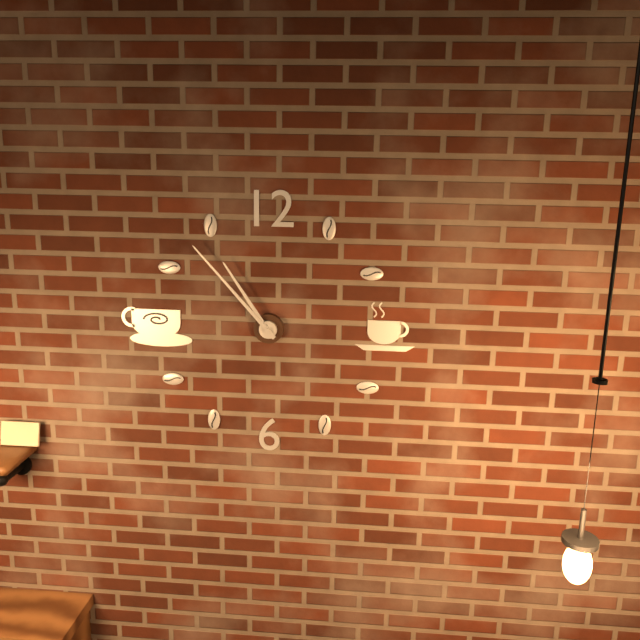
10.53
